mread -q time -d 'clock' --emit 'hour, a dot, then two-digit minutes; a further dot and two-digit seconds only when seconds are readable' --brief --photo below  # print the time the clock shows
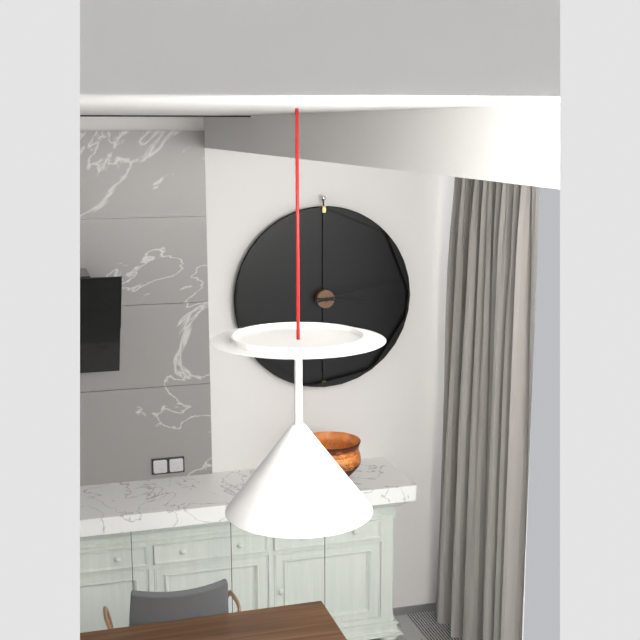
3.13
